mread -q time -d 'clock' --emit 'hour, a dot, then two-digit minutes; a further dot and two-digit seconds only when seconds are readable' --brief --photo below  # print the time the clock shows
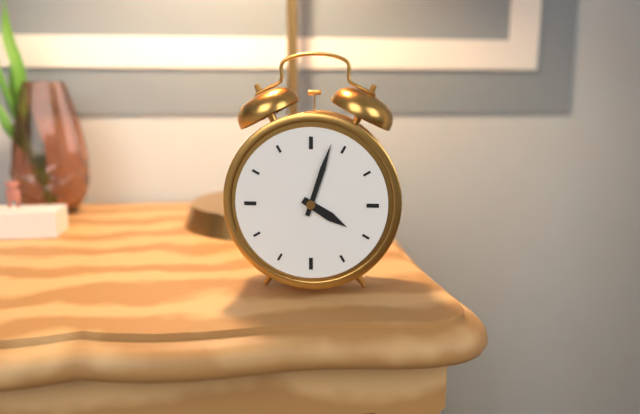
4.03
